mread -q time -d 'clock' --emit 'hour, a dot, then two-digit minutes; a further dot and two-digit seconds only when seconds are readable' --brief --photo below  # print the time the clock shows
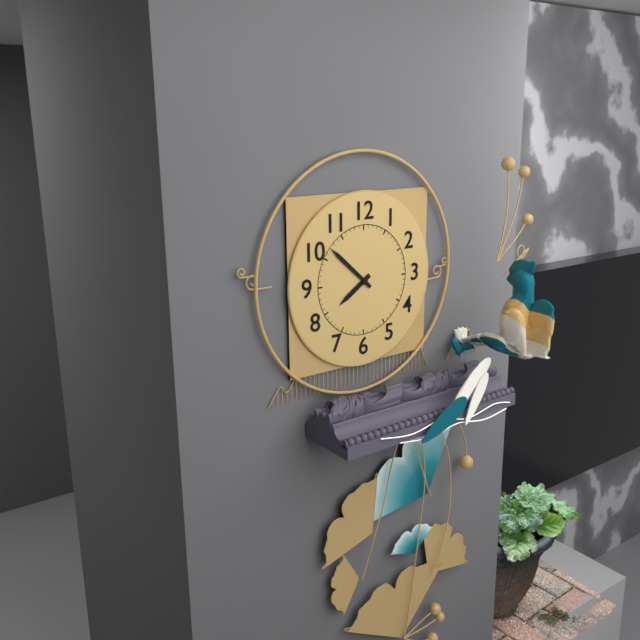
7.52
